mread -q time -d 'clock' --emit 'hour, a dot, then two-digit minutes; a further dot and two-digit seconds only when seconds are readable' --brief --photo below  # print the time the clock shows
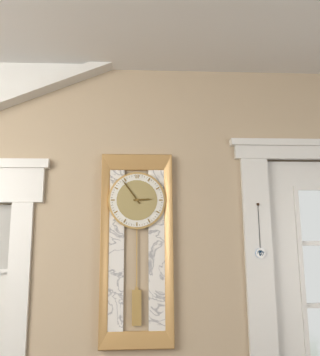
2.54
